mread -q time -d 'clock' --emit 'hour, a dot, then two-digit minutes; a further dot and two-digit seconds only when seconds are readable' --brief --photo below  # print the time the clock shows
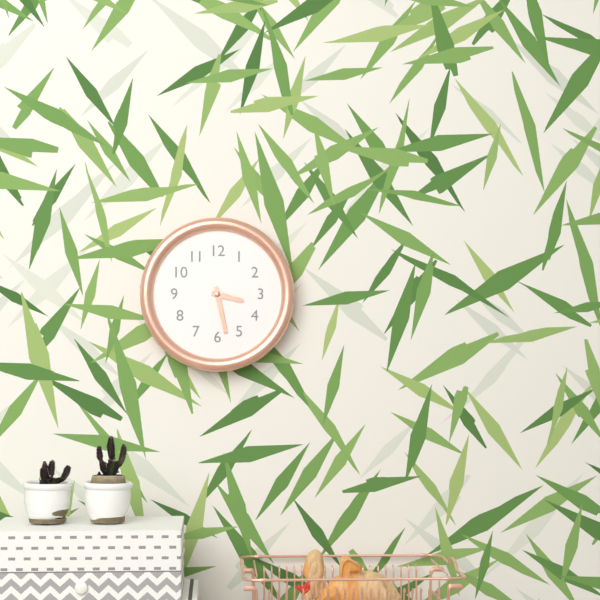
3.28
